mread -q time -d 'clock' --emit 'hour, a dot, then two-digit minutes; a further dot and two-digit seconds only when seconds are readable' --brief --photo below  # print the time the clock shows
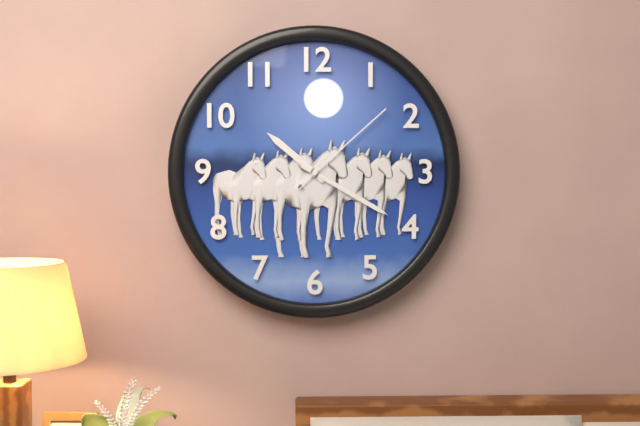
10.20.08
